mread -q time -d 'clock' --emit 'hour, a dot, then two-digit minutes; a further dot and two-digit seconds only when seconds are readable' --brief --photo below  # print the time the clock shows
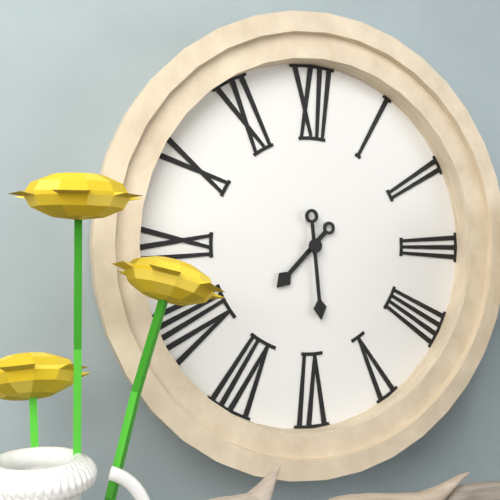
7.29
